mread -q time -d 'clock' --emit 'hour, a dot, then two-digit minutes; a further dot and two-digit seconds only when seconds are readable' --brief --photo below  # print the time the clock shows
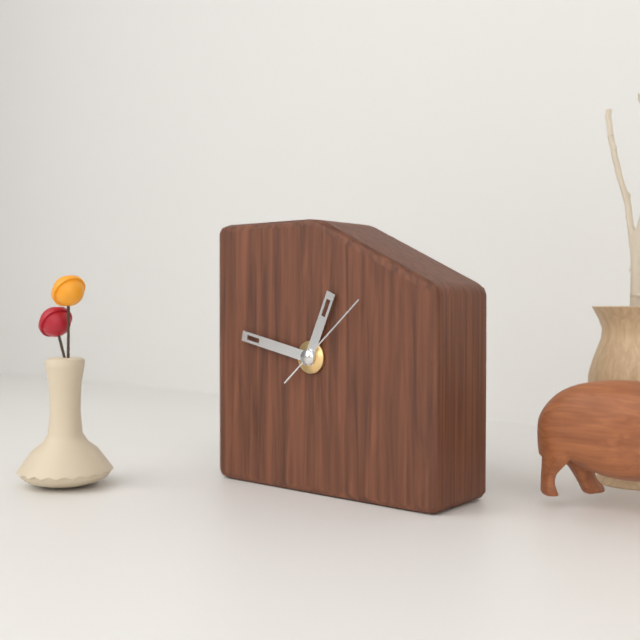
12.47.08
